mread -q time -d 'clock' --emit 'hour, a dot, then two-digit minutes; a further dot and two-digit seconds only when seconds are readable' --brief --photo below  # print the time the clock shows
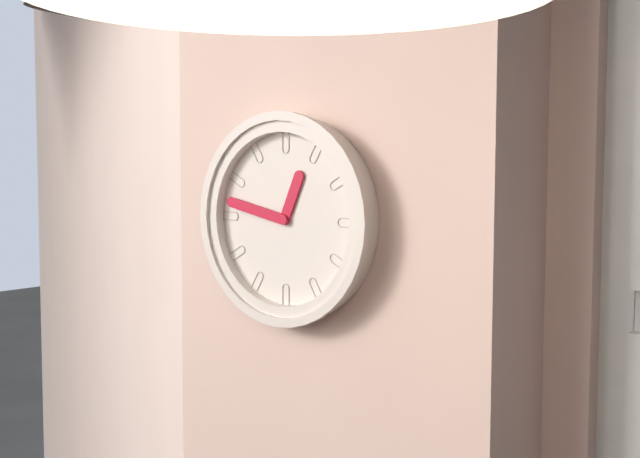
12.47
